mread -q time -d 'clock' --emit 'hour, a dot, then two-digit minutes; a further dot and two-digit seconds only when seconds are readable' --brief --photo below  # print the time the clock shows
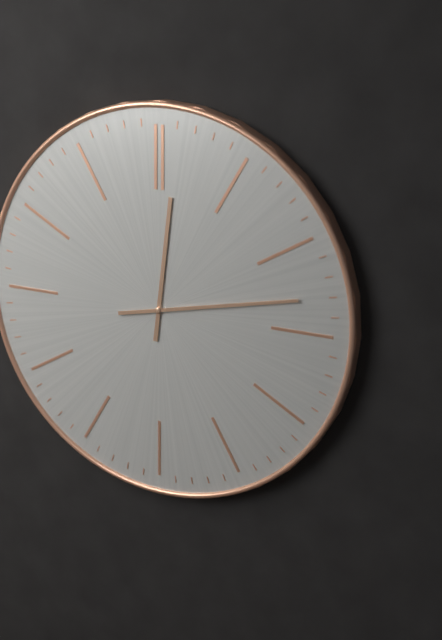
12.13
